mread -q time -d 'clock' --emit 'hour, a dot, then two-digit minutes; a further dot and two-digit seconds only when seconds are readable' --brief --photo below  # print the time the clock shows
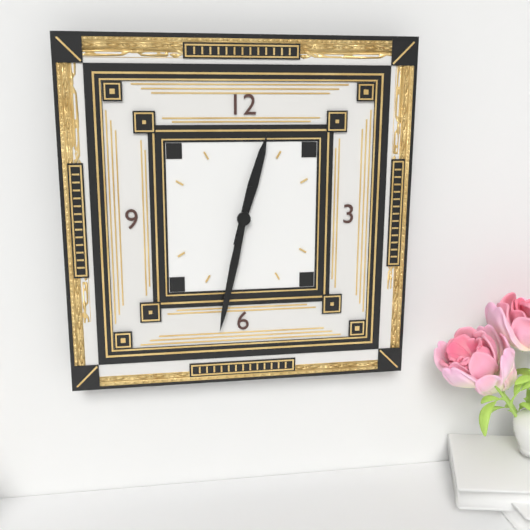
12.32
